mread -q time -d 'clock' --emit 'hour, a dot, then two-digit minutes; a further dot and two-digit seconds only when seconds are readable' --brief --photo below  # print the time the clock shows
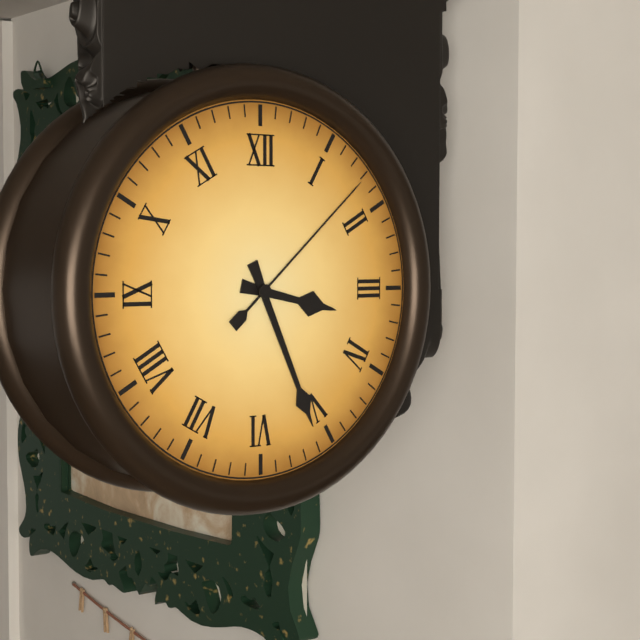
3.26.08
